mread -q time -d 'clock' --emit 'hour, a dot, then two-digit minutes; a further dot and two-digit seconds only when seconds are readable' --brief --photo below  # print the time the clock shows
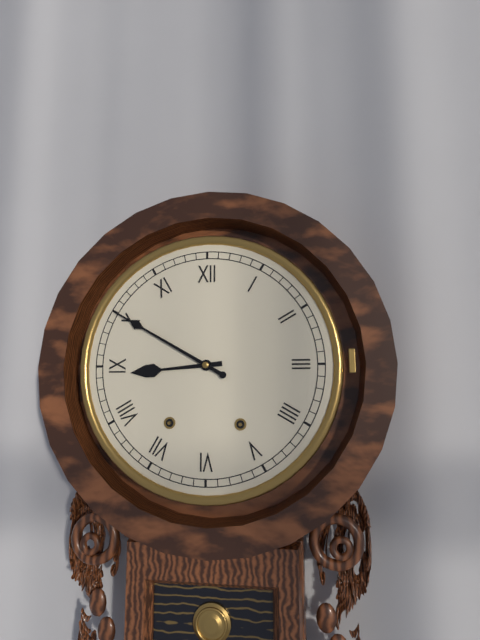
8.50
